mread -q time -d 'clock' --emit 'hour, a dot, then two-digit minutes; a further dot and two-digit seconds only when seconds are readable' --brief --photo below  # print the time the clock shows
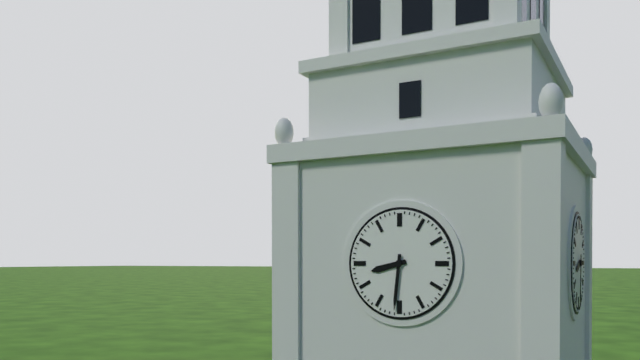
8.31
